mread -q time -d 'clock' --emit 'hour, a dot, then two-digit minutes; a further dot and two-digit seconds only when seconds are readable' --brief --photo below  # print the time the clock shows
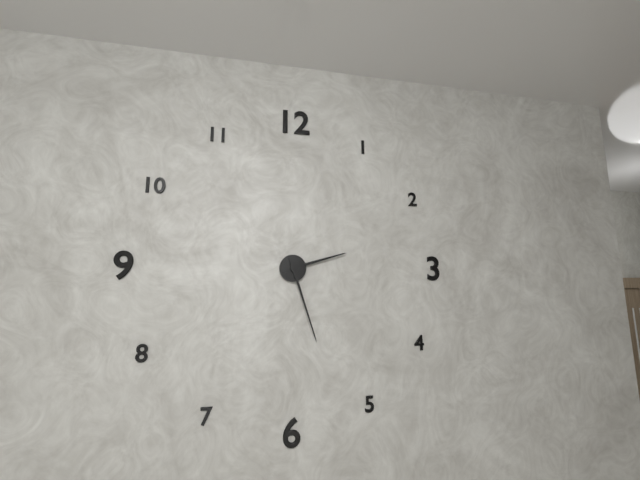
2.27
